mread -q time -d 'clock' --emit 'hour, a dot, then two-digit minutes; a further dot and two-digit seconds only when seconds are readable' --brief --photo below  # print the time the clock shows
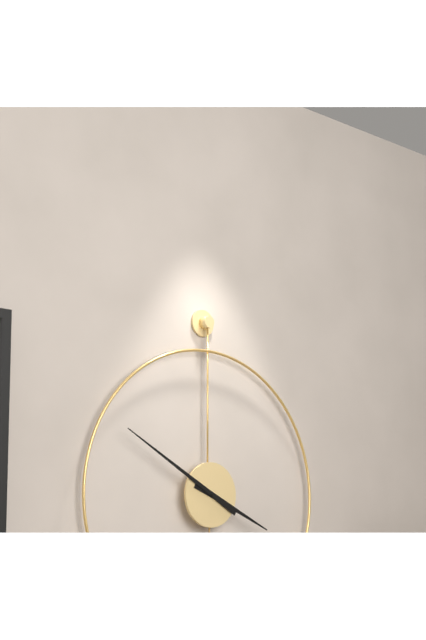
3.50
